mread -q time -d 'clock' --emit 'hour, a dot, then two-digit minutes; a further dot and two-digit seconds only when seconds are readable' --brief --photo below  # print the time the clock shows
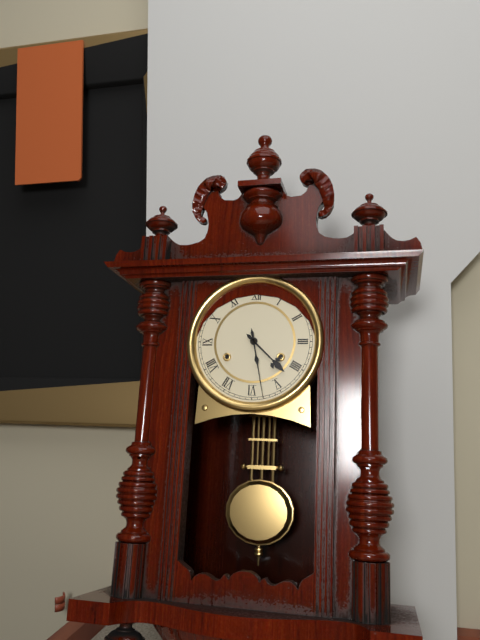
4.28
